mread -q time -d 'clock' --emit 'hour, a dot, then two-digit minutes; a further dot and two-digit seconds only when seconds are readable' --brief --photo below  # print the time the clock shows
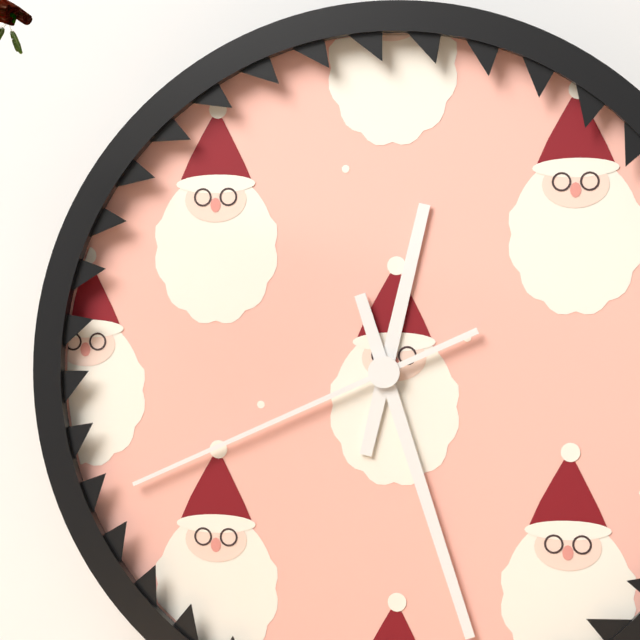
12.27.41
